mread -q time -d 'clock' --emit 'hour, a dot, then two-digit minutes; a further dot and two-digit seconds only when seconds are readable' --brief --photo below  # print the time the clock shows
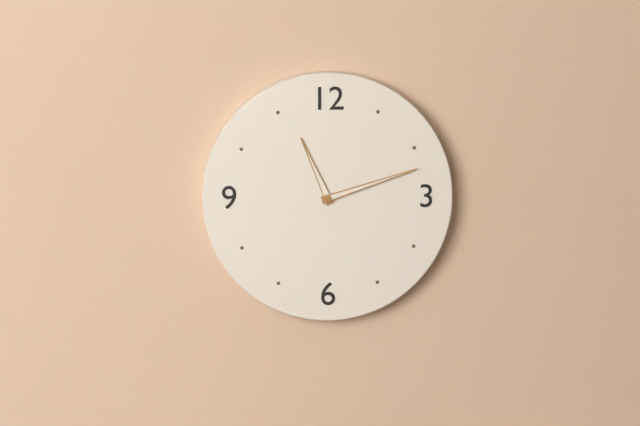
11.12
